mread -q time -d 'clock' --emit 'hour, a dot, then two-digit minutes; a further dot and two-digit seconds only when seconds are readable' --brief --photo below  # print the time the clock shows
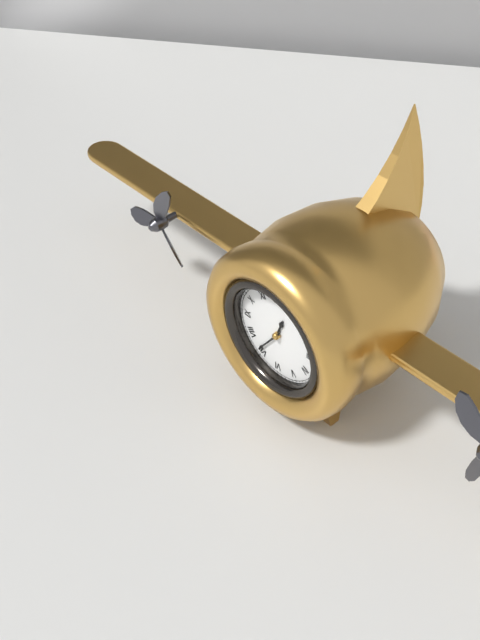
12.36
